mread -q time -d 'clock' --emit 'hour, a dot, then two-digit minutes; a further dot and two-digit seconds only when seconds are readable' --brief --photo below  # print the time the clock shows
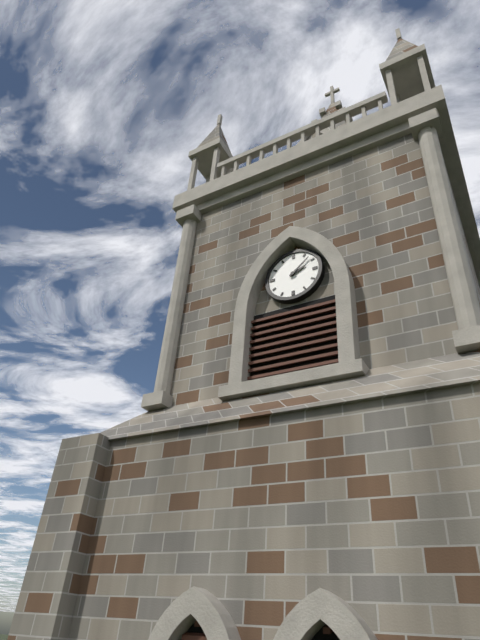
2.08
